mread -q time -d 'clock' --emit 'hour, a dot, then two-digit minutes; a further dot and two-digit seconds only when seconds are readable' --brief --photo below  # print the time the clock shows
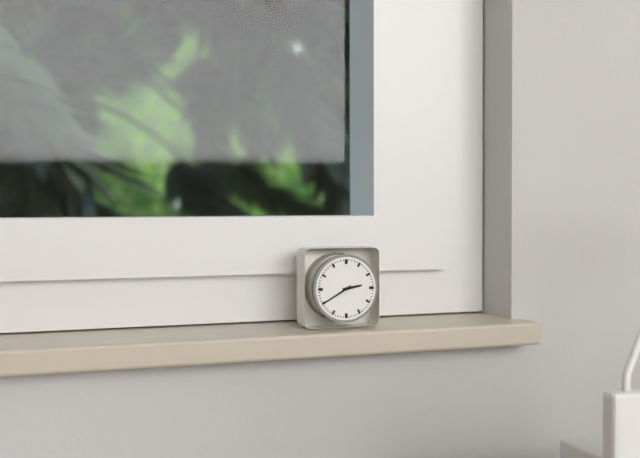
2.40
